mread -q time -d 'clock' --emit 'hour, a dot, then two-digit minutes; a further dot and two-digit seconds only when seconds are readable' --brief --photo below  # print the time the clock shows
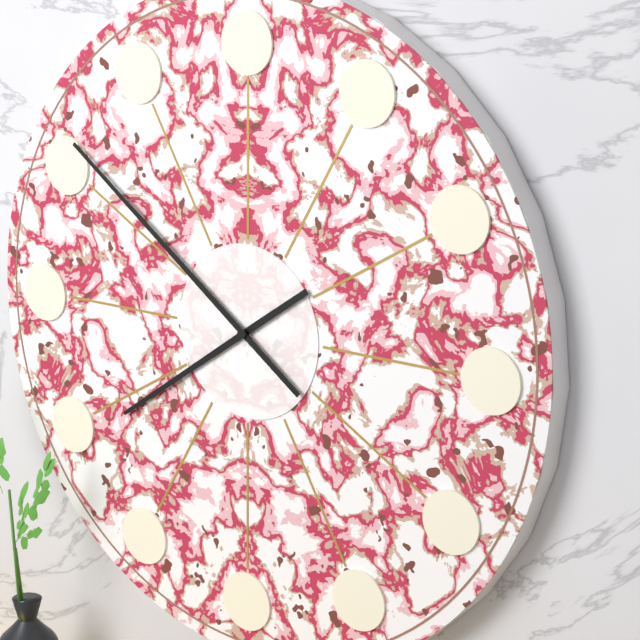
7.51
